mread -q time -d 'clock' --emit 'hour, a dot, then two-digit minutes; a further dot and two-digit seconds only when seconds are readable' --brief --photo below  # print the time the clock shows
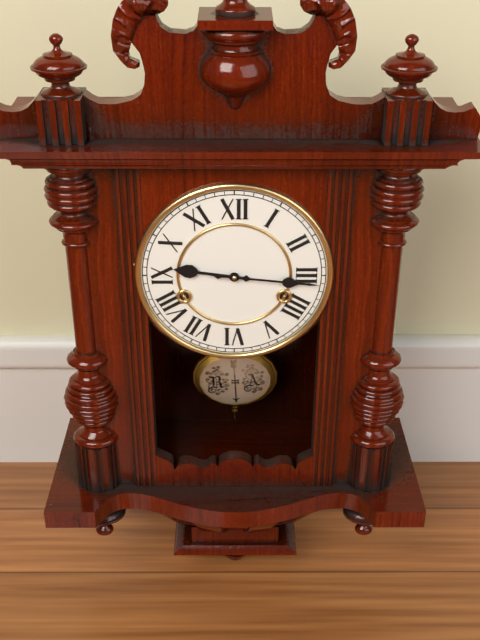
9.16
